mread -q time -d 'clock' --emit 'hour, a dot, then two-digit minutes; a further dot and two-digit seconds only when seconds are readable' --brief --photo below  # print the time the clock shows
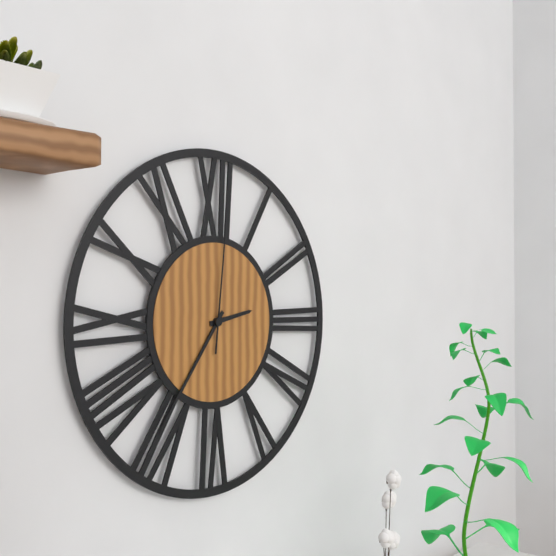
2.36.01
